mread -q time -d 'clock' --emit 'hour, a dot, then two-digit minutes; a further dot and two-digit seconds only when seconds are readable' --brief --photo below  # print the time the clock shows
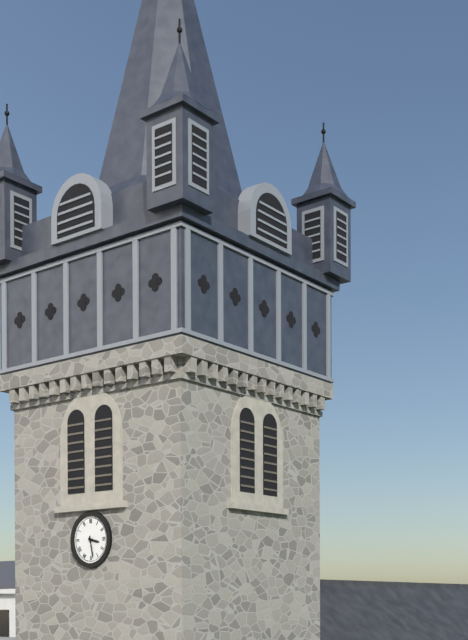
3.28
